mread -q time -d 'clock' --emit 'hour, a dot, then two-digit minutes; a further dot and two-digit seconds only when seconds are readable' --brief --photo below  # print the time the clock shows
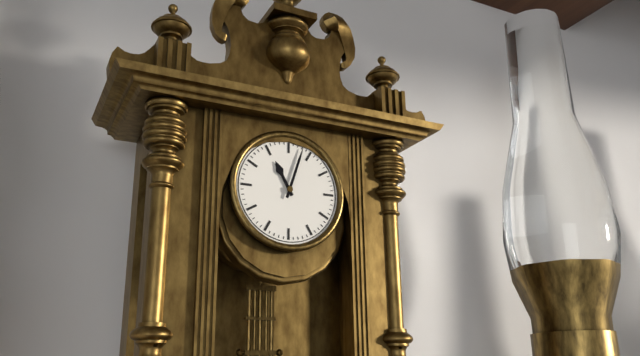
11.03
